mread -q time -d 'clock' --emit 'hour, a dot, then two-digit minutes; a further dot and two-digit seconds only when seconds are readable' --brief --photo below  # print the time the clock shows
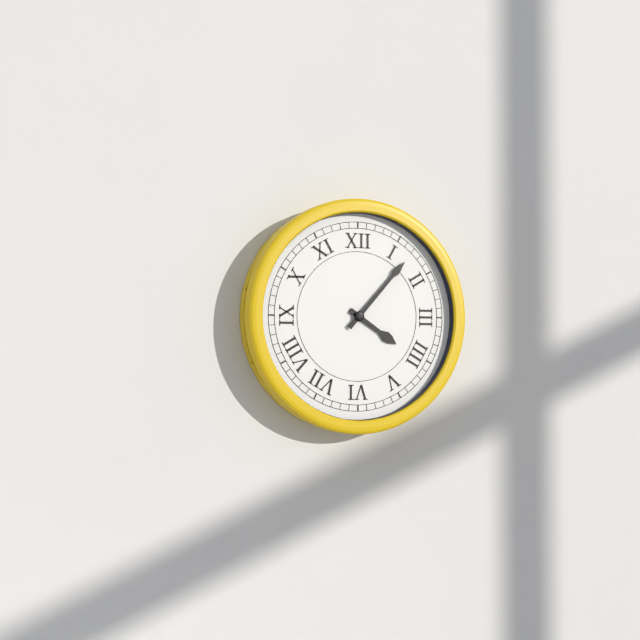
4.07
